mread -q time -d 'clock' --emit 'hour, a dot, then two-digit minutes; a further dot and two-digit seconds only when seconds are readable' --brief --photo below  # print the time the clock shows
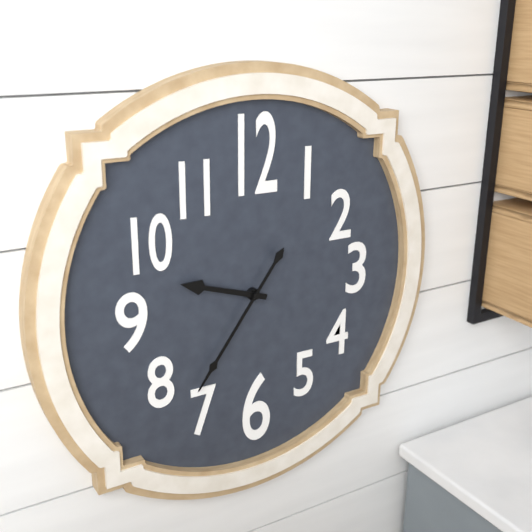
9.36
